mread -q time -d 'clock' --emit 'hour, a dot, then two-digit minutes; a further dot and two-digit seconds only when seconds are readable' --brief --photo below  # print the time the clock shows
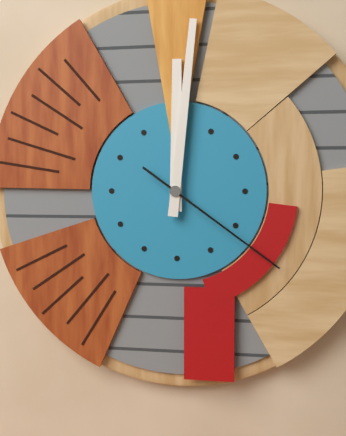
12.01.21
